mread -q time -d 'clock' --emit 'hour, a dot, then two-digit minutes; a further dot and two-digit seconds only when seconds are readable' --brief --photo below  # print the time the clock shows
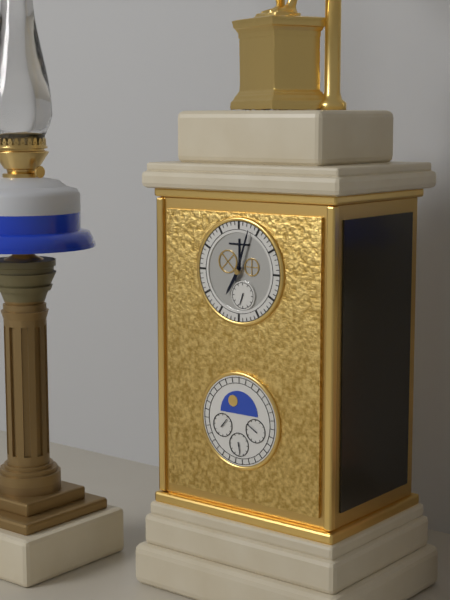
7.03
